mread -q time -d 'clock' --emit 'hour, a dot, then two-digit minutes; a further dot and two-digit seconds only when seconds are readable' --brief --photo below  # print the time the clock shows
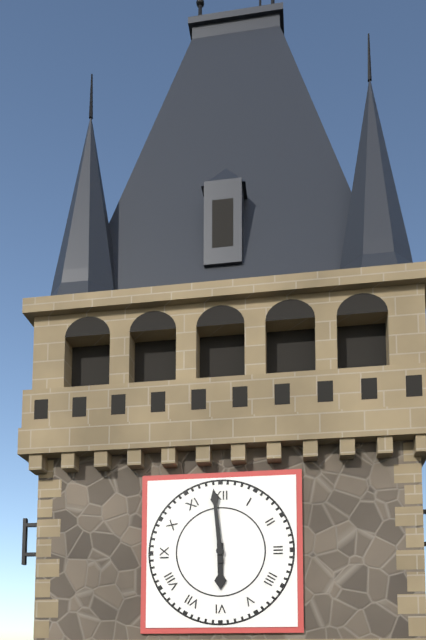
5.59
